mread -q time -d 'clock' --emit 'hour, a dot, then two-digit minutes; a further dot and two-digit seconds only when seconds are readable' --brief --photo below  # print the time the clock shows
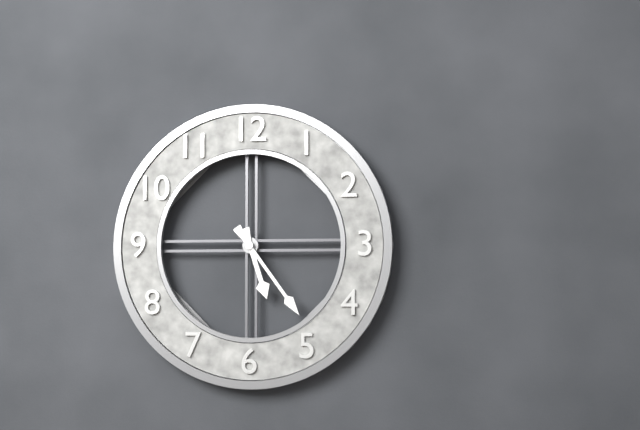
5.24
